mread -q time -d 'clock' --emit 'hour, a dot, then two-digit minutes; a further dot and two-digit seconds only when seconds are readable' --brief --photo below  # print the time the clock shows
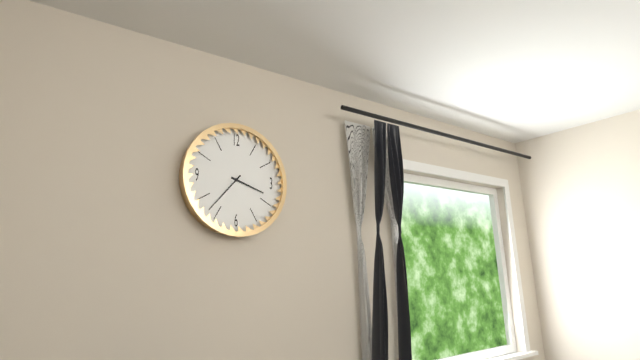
3.37
